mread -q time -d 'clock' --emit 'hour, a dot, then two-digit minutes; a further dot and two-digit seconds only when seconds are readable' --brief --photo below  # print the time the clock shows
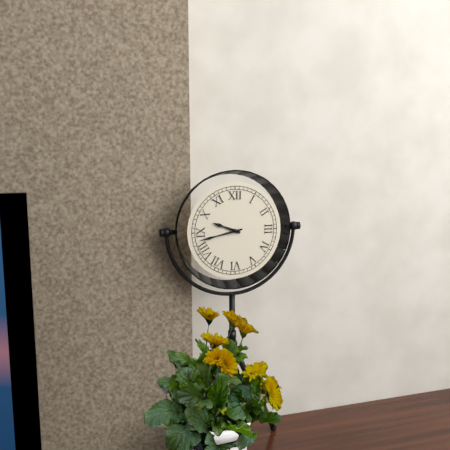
9.43
